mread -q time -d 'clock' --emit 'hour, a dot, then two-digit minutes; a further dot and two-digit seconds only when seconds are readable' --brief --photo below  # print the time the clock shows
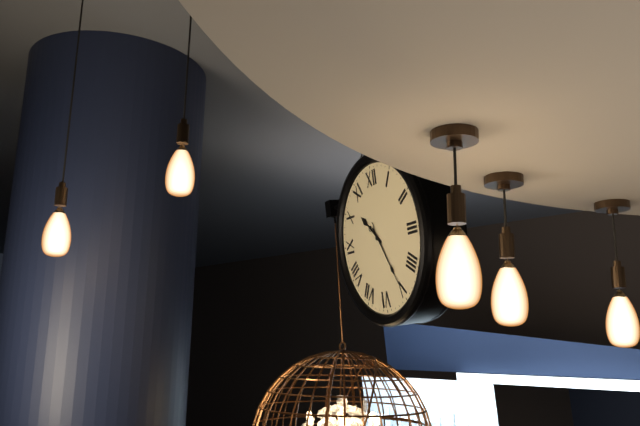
10.25
